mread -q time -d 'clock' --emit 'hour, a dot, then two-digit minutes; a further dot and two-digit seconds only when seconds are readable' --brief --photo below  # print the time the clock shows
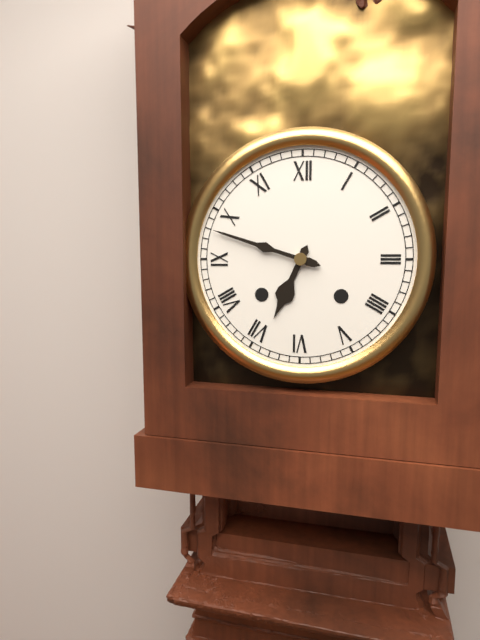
6.48
